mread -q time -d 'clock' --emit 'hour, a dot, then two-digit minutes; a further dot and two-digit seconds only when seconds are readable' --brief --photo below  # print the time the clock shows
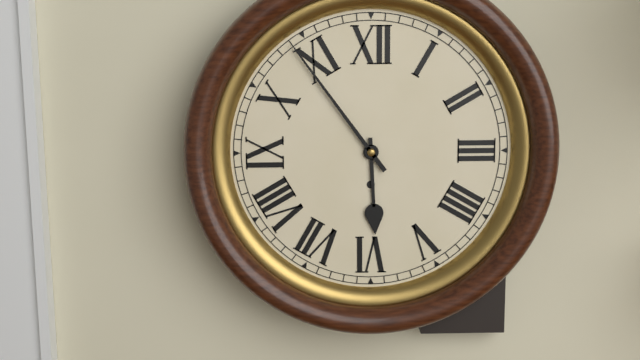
5.54
